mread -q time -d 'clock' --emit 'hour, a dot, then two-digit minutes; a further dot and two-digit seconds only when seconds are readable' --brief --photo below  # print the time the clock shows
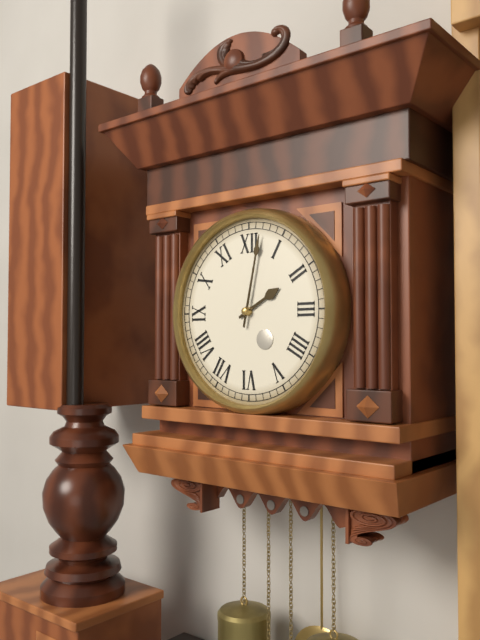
2.02
